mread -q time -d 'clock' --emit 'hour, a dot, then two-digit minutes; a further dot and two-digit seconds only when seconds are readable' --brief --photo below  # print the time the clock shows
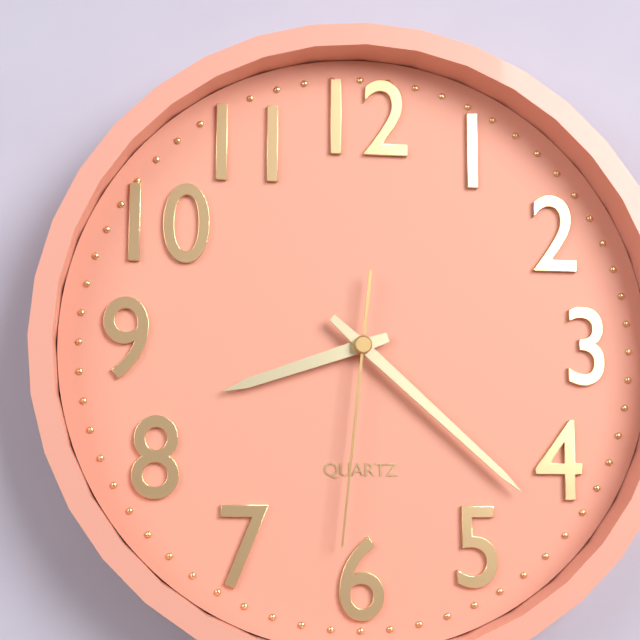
8.22.31
